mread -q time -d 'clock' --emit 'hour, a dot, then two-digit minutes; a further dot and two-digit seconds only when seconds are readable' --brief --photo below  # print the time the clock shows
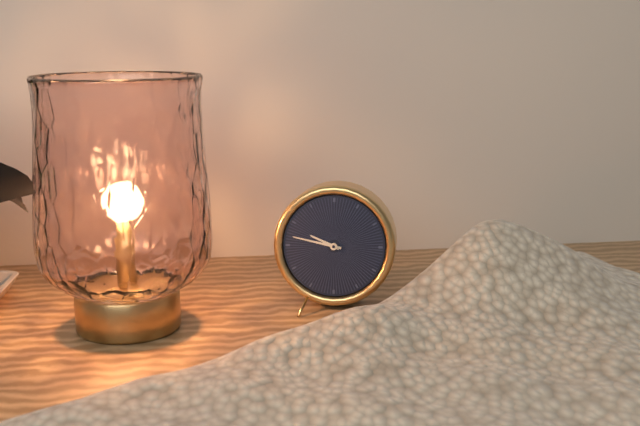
9.47
